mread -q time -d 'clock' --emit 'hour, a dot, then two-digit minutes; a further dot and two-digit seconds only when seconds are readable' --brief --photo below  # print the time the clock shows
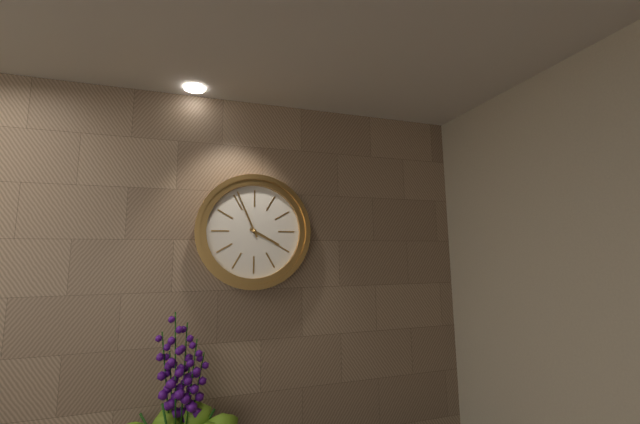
3.56
